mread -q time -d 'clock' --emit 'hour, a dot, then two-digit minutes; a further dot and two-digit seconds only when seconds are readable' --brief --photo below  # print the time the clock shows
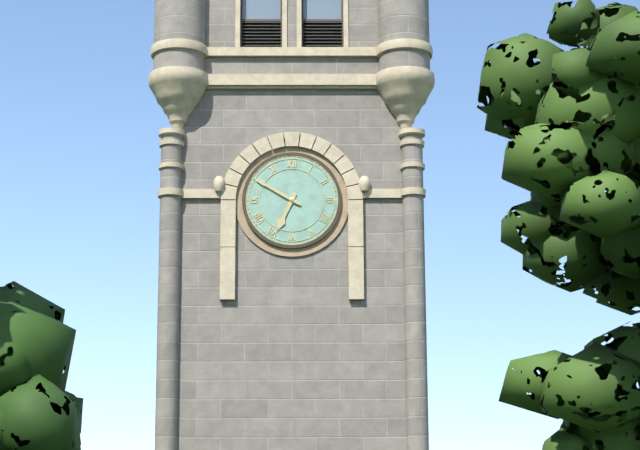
6.50
